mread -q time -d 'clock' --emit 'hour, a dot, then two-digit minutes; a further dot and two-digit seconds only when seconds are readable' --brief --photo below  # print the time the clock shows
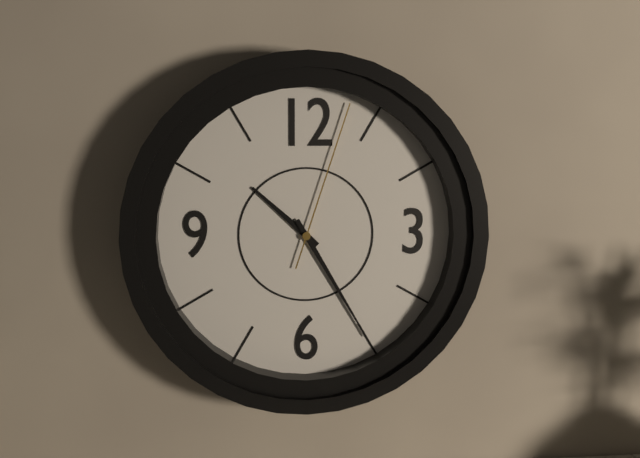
10.25.03
